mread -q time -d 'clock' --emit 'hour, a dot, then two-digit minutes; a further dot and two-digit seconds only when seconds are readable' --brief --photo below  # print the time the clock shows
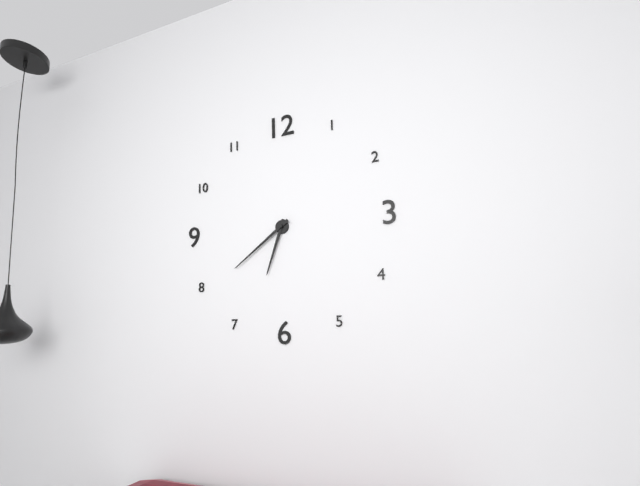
6.39
